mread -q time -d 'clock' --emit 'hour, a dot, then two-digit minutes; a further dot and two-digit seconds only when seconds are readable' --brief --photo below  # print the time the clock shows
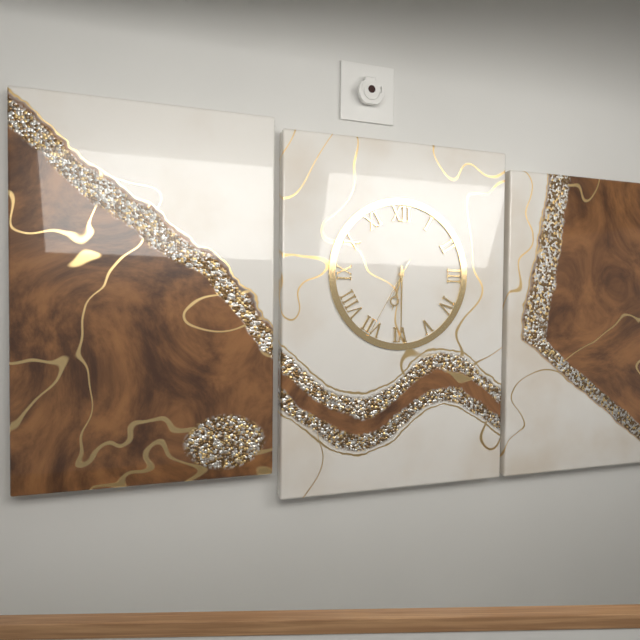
6.30.35
